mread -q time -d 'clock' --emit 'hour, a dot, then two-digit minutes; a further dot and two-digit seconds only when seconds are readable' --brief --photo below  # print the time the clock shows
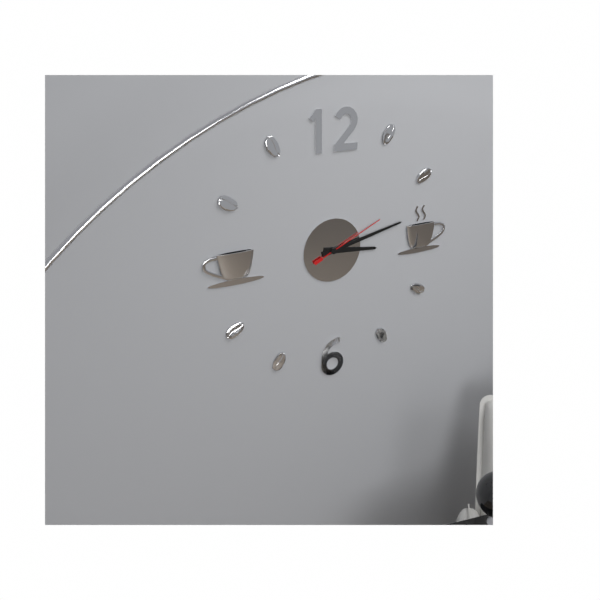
3.13.11
